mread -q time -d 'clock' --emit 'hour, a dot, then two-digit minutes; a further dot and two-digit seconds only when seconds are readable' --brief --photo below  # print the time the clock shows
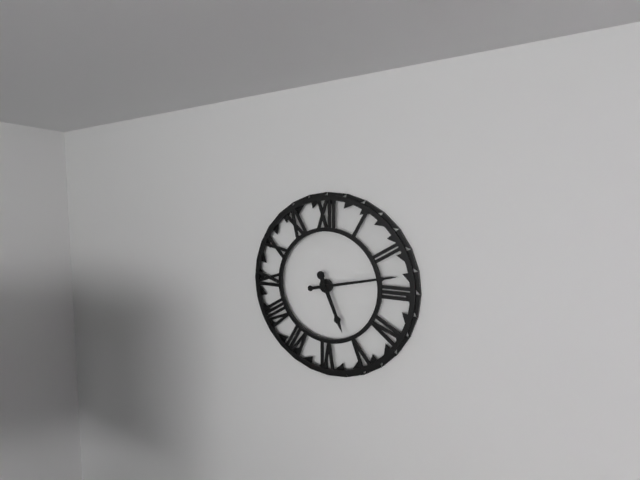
5.13
